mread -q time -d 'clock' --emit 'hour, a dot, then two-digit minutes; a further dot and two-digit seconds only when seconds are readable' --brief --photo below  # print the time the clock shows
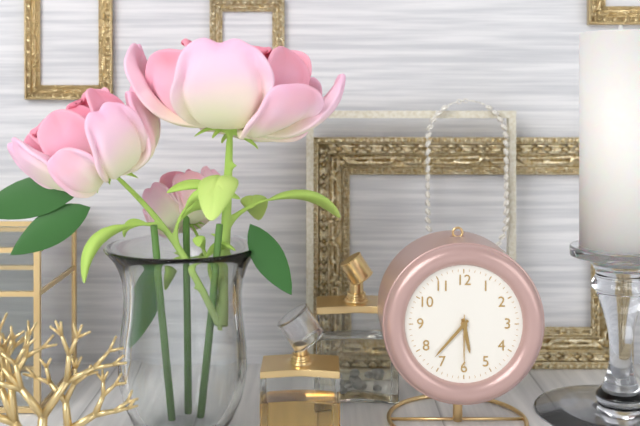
5.37.30
